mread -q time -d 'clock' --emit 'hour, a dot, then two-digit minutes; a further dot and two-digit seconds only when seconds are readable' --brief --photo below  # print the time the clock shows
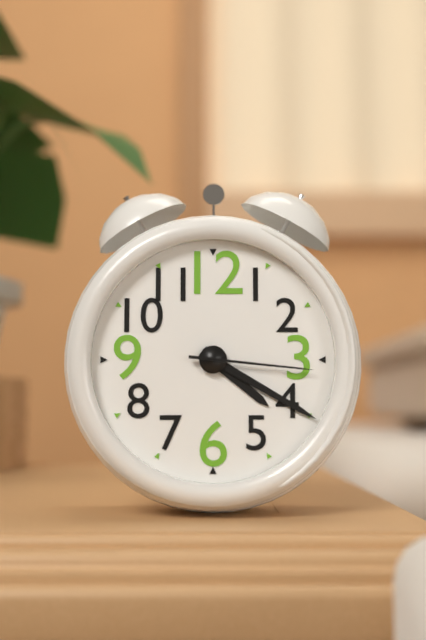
4.20.16
